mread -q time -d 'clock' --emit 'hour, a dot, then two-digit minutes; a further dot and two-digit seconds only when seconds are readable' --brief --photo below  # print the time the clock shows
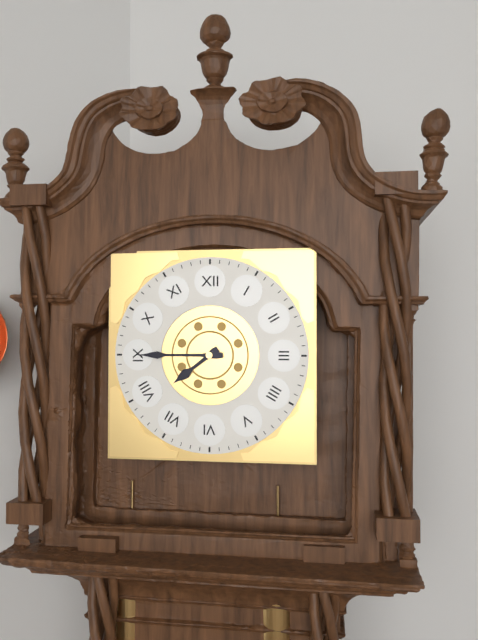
7.45
